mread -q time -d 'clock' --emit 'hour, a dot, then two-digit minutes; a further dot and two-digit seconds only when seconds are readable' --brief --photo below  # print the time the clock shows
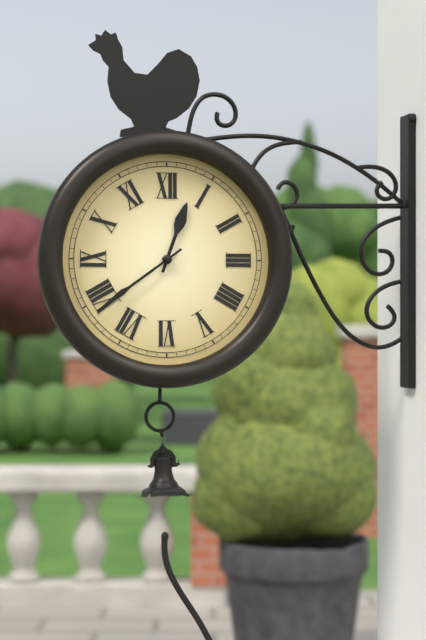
12.39
